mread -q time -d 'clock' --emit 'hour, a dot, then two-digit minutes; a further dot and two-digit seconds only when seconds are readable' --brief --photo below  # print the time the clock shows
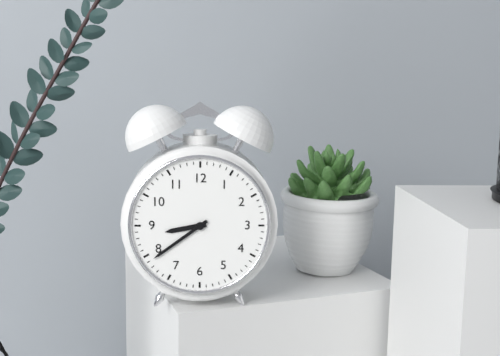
8.39
